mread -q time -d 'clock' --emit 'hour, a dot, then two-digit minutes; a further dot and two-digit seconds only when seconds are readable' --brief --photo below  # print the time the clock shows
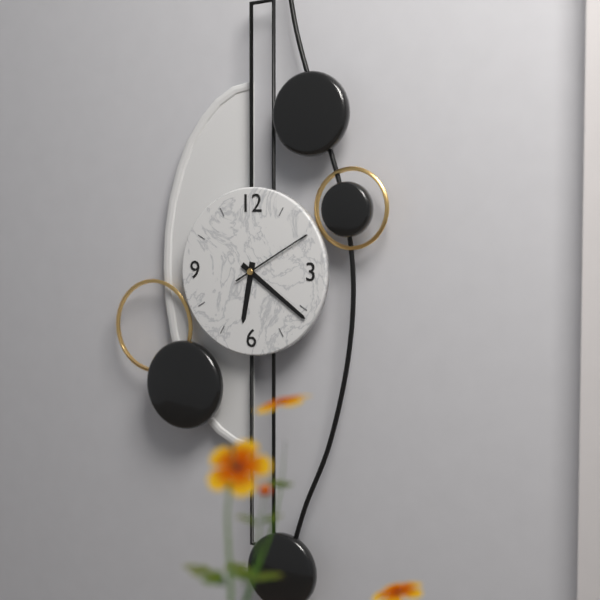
6.21.10
